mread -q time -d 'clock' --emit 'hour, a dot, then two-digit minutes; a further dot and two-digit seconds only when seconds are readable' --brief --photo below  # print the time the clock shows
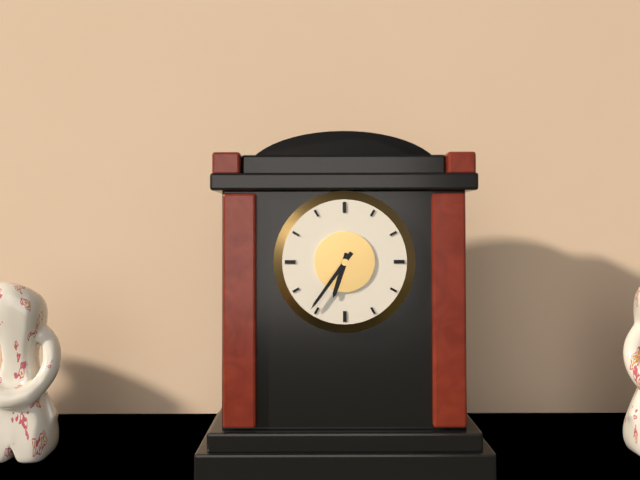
6.36
